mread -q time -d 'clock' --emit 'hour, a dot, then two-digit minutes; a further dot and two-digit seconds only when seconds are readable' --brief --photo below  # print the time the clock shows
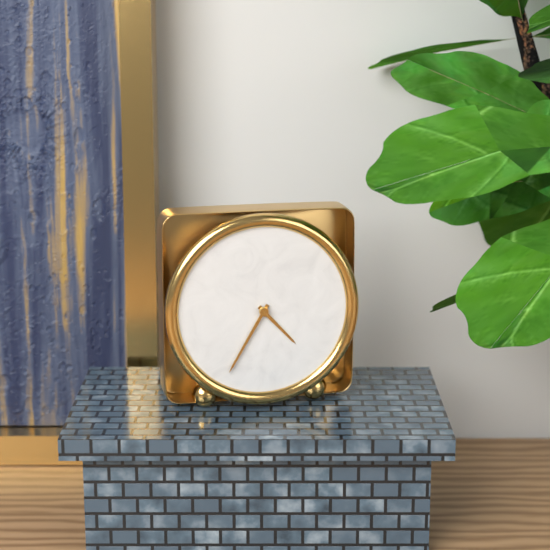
4.35
